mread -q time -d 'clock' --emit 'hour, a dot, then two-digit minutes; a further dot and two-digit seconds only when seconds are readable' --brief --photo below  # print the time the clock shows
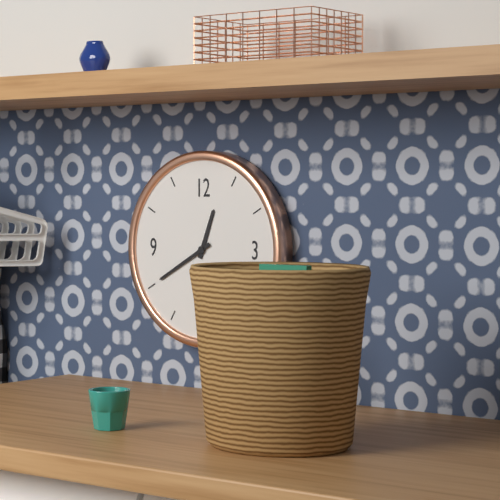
12.40
